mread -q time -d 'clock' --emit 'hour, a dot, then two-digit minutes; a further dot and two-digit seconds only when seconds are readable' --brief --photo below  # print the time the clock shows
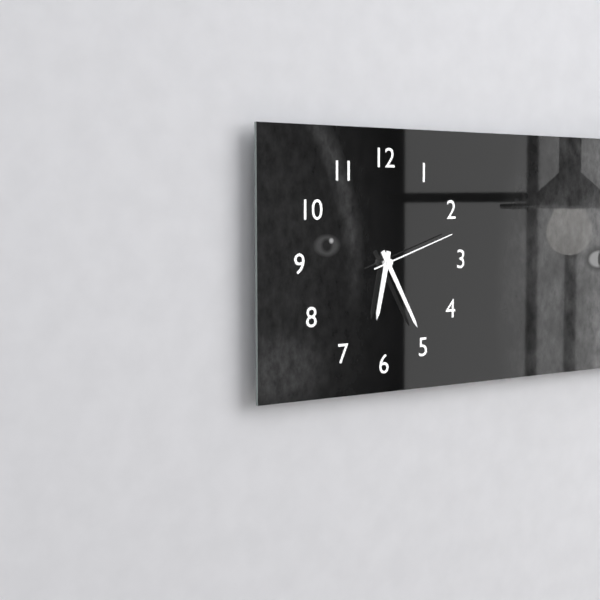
6.25.12
